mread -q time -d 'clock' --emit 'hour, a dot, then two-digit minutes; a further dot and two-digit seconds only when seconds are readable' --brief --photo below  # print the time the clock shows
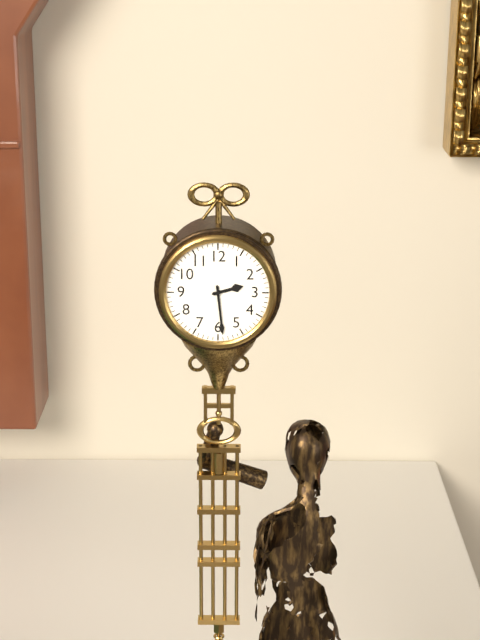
2.29
